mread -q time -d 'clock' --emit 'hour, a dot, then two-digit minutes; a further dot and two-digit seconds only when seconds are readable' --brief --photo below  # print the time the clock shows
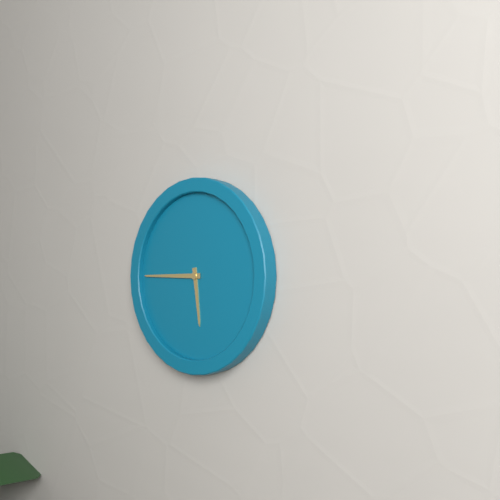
5.45
